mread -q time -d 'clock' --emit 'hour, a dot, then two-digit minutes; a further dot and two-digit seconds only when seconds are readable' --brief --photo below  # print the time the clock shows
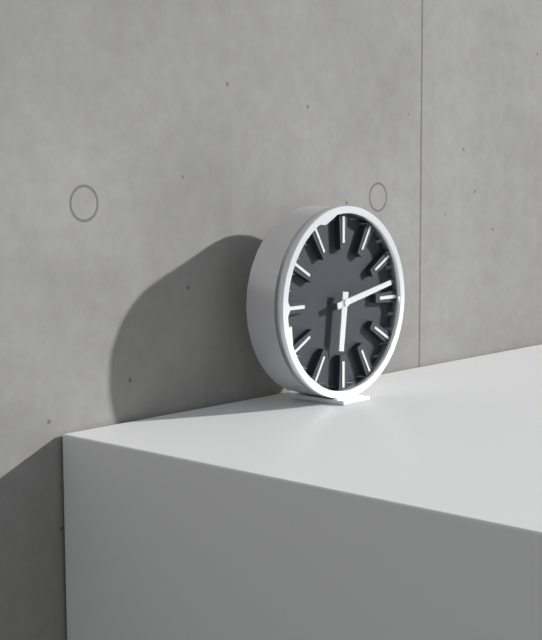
6.13
